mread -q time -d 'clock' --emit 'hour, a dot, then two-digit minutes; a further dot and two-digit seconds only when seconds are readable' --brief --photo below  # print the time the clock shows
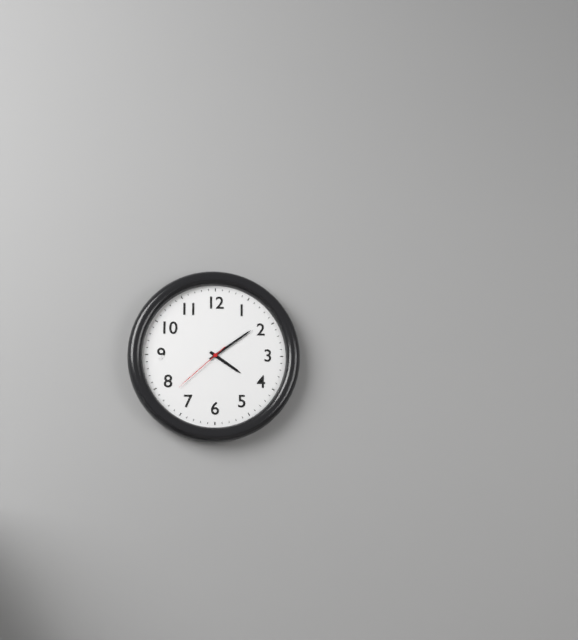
4.09.38
